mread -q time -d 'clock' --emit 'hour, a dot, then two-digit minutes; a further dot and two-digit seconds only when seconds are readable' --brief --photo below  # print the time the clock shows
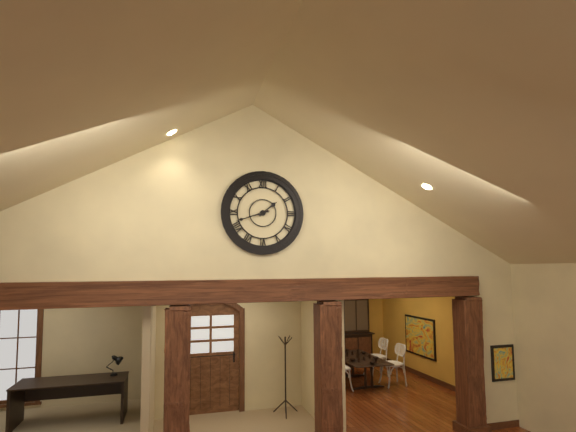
1.42
